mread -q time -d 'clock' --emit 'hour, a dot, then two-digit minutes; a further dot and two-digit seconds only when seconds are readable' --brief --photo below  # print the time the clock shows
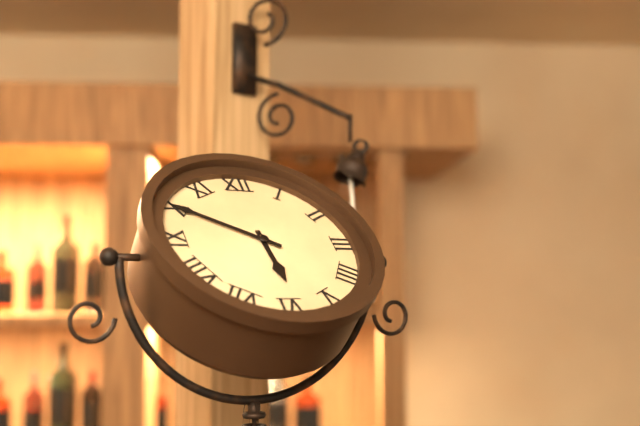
5.50
